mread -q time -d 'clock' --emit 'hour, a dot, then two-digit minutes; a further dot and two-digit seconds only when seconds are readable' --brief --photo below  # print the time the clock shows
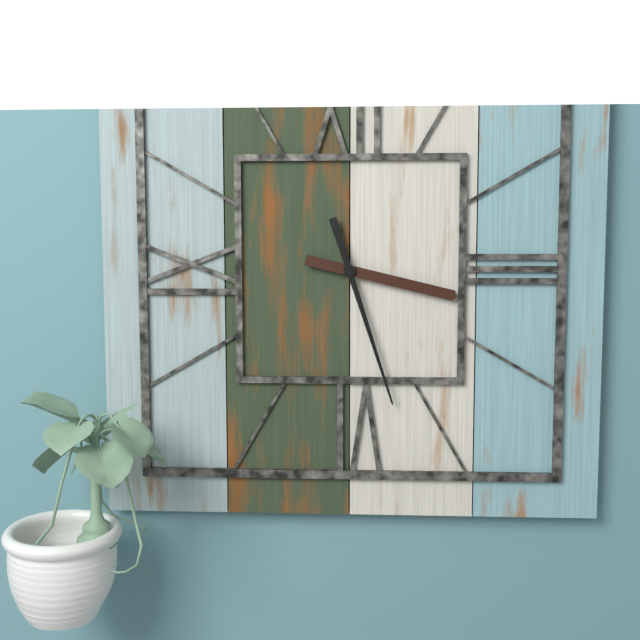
3.27
